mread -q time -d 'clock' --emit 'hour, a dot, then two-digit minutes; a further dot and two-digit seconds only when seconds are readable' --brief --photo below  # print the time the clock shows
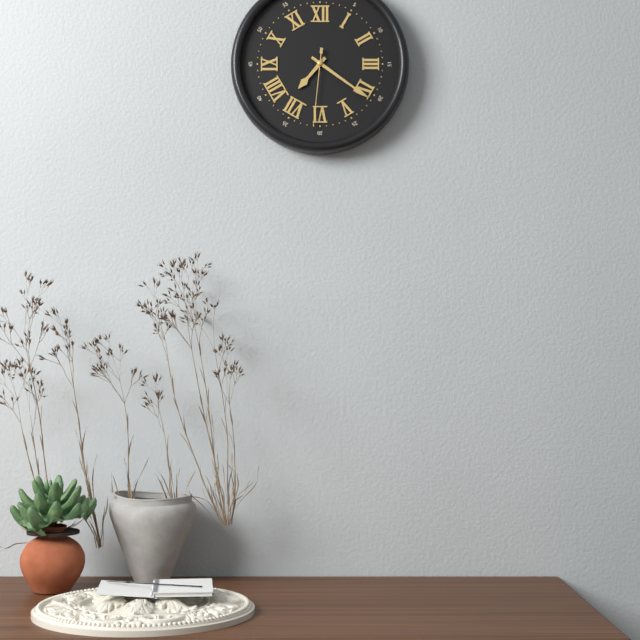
7.21.31
